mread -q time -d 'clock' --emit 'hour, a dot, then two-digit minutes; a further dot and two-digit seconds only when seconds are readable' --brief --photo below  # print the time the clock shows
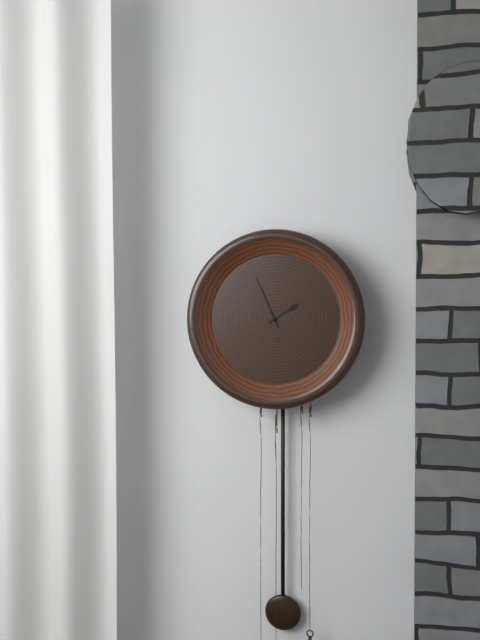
1.56
